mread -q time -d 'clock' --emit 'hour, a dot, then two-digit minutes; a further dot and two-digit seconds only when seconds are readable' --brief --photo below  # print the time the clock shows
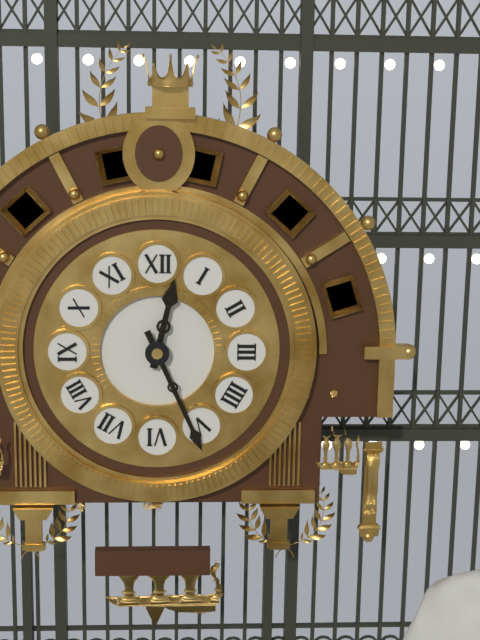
12.26
